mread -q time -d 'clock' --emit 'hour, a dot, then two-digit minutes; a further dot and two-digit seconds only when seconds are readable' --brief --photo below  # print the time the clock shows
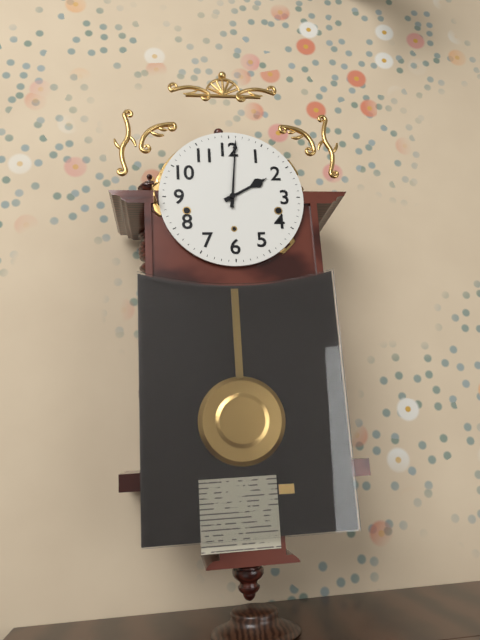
2.01
